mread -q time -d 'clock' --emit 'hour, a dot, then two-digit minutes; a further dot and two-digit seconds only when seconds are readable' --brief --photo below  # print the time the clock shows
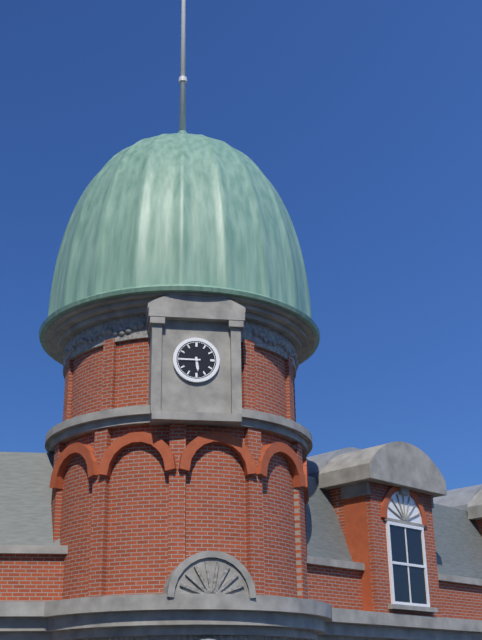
5.45
